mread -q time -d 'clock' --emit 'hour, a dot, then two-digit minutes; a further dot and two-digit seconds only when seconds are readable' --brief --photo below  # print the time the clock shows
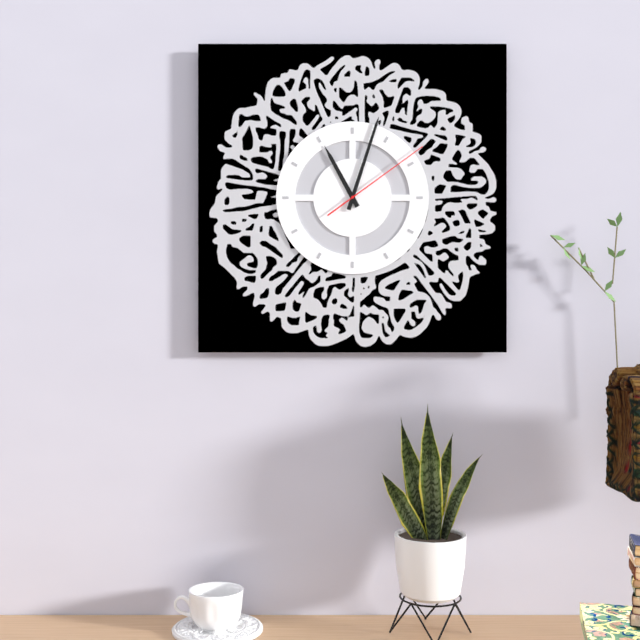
11.03.09
